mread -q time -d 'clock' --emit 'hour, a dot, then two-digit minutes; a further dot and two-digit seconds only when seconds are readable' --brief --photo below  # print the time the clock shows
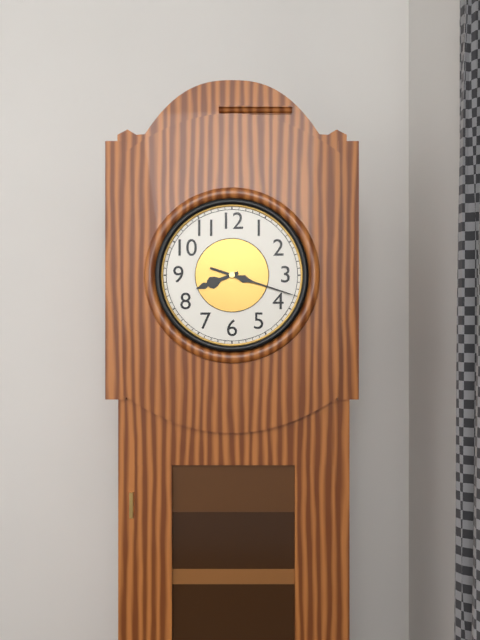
8.18
